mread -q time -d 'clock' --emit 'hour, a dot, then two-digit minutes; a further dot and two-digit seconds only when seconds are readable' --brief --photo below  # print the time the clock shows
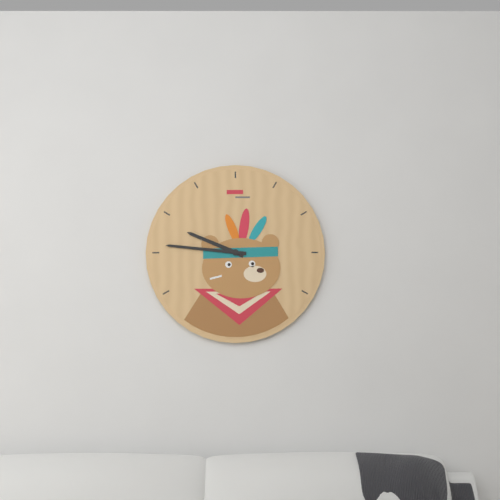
9.46
